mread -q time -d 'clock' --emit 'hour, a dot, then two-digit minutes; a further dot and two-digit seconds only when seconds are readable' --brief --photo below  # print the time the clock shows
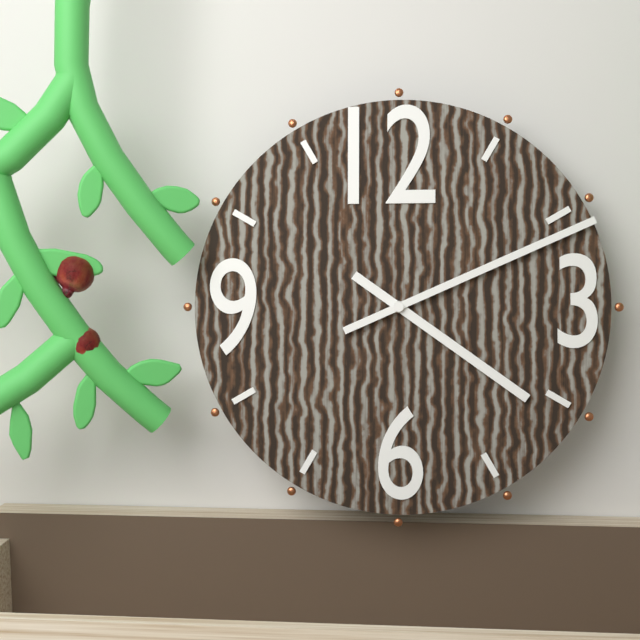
4.11
